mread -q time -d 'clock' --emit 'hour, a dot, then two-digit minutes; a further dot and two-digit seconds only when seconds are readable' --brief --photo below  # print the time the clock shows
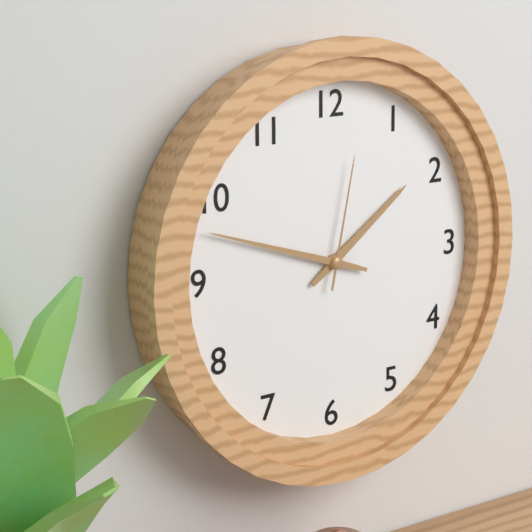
1.48.02
